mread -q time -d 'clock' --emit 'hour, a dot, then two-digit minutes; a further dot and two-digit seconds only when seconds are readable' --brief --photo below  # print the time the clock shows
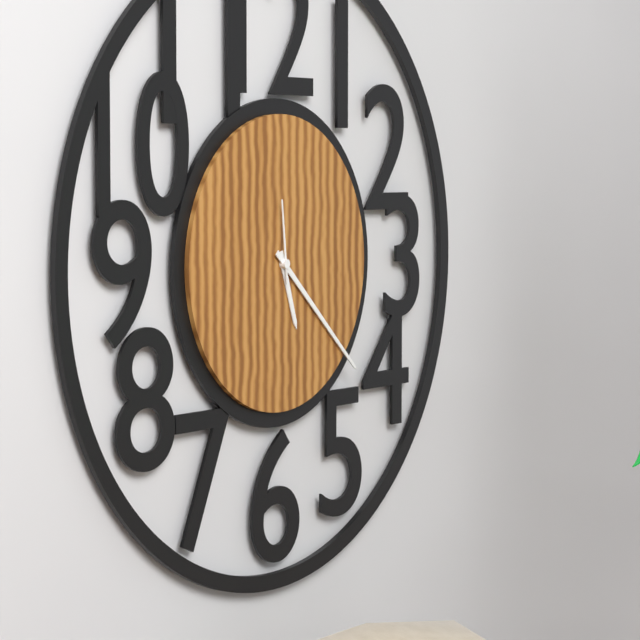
5.22.59
